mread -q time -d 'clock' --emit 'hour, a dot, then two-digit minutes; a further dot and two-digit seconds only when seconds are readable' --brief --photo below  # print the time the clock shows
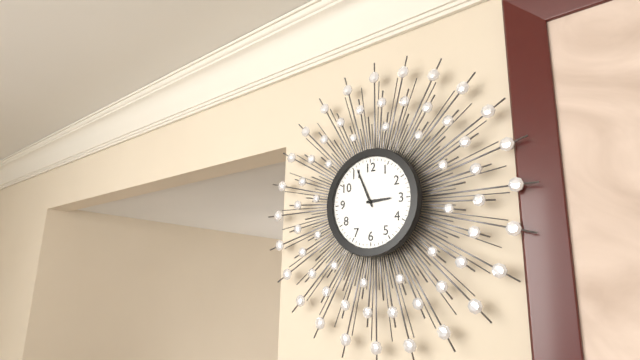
2.56
